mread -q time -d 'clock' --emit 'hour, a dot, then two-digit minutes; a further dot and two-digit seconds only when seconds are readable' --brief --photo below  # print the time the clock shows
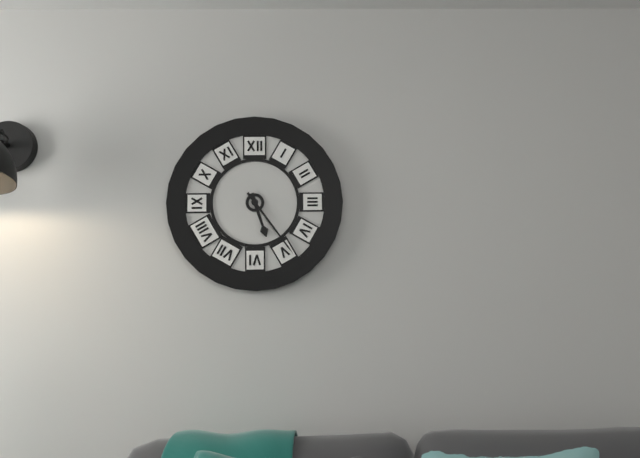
5.24
